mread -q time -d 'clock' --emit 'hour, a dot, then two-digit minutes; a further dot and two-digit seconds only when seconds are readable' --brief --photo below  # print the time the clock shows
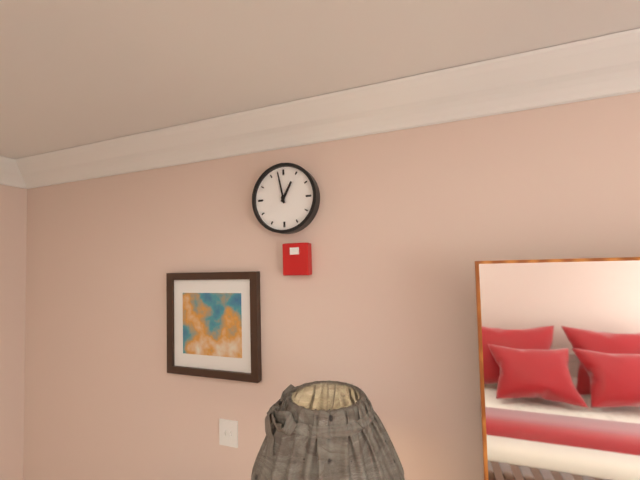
12.58
